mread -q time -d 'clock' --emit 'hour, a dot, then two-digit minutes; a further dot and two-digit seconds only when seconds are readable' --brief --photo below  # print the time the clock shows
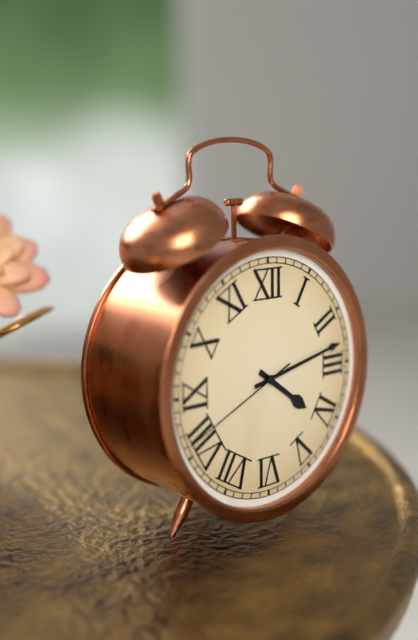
4.13.41
